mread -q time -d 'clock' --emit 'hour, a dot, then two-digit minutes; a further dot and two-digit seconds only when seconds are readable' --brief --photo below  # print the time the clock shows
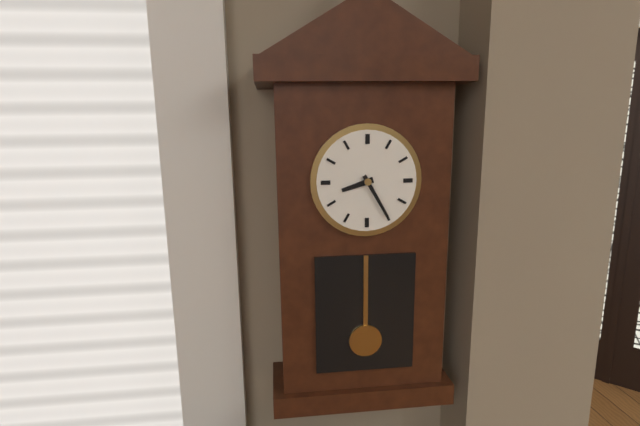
8.25
